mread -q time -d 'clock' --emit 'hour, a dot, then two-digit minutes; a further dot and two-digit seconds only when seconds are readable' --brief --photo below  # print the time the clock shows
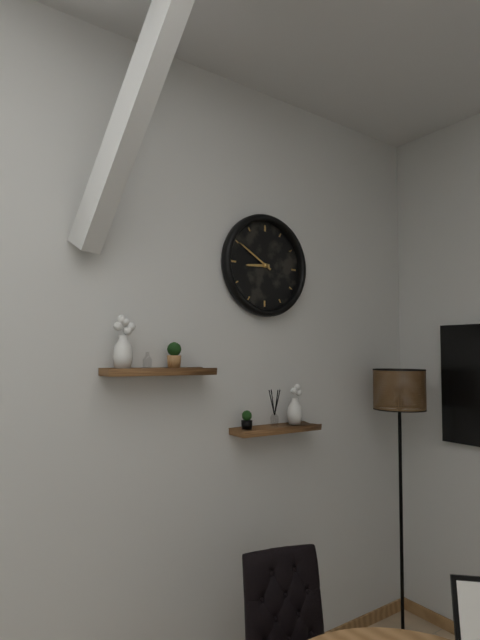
8.50
